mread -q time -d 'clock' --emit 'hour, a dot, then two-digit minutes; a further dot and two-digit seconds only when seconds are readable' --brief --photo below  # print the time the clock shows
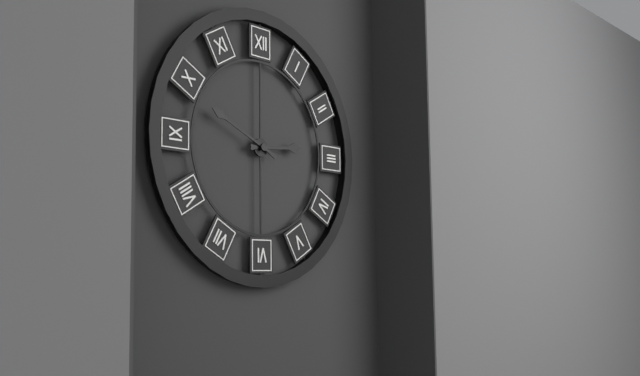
2.49
